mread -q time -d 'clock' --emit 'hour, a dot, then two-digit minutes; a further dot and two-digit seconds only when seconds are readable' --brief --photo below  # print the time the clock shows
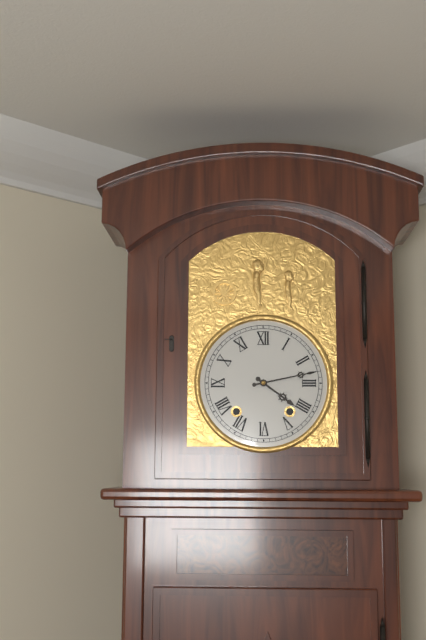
4.13
